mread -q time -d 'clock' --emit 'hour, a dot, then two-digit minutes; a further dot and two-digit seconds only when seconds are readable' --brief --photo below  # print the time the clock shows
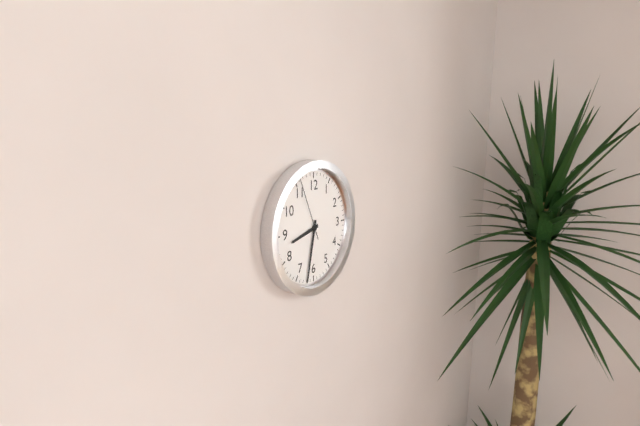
8.32.56
